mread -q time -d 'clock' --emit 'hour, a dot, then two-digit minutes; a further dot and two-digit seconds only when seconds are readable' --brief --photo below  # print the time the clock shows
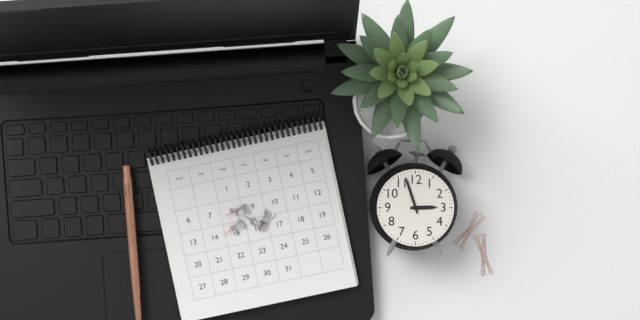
2.57
